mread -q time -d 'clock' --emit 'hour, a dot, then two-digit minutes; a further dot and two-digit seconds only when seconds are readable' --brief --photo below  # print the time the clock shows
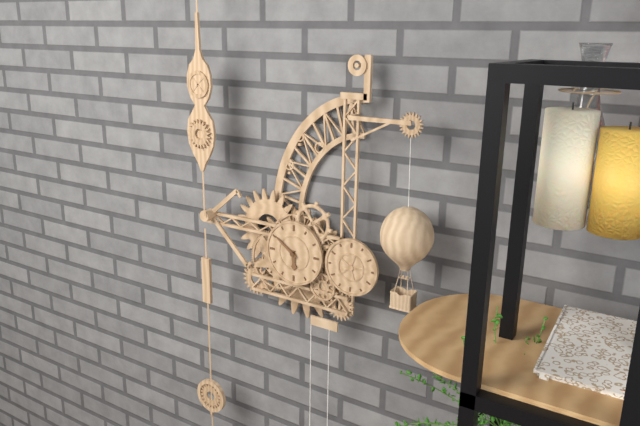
5.51
